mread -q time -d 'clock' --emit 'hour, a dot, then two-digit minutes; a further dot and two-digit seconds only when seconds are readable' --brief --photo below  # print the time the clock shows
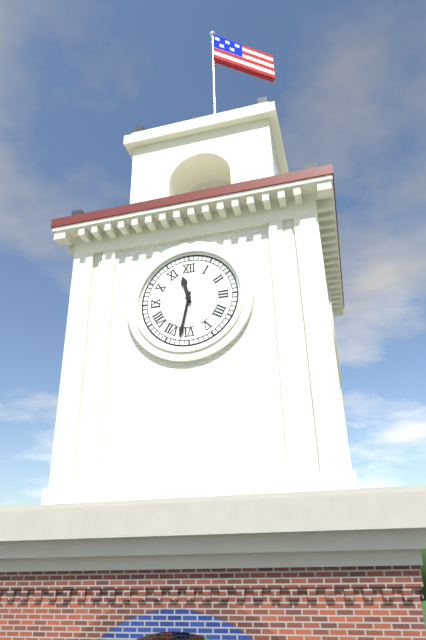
11.32
